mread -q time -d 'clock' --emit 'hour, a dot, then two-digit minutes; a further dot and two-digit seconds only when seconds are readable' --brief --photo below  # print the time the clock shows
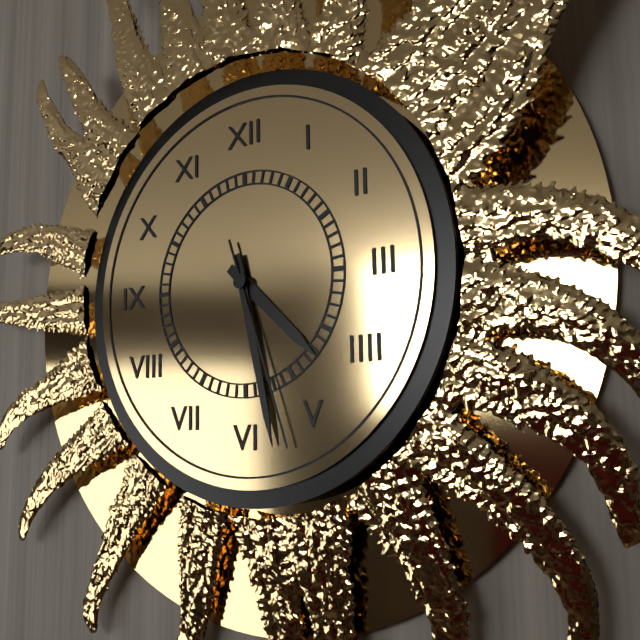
4.28.27
